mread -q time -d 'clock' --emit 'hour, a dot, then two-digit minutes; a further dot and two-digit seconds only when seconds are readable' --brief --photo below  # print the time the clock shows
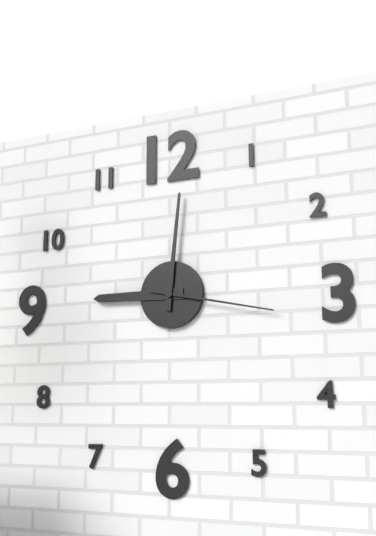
9.01.17
